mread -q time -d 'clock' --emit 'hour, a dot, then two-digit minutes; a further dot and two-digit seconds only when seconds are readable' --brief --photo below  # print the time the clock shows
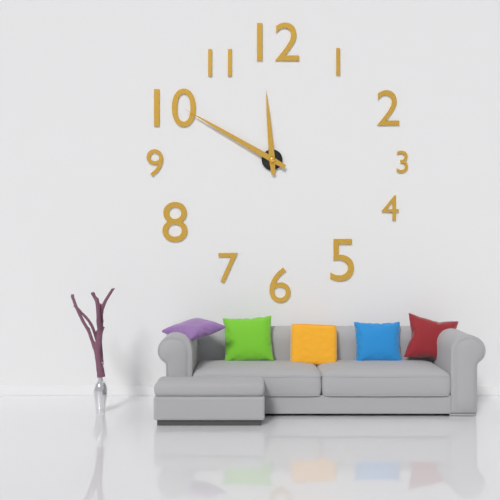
11.50
